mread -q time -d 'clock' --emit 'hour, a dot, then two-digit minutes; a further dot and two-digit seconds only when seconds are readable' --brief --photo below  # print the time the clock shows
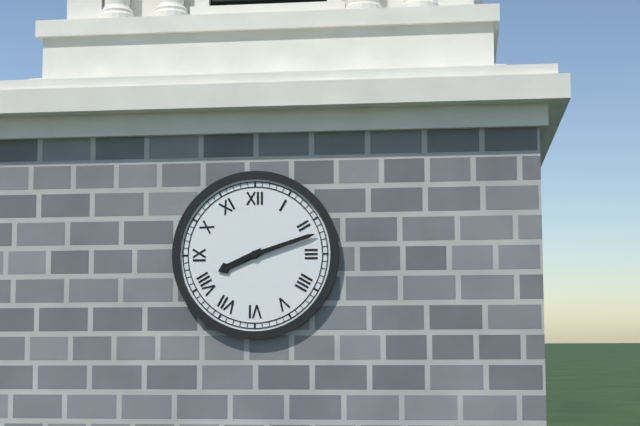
8.12
